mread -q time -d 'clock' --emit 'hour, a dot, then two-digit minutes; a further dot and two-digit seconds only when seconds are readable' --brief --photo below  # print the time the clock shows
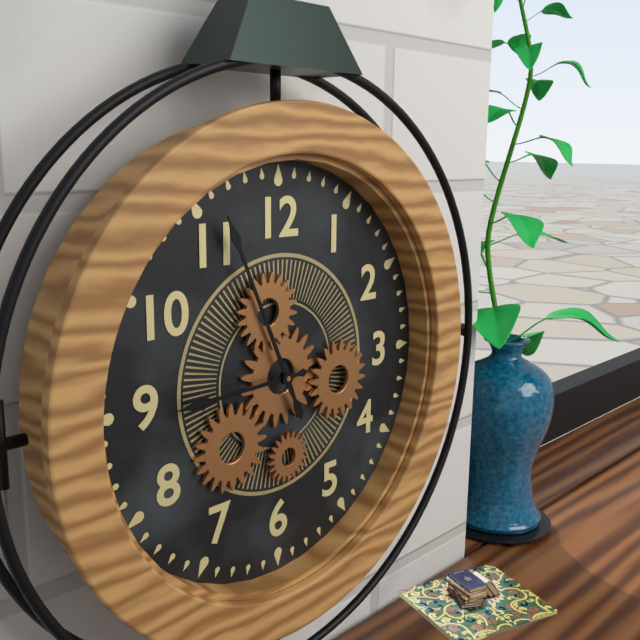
8.56
